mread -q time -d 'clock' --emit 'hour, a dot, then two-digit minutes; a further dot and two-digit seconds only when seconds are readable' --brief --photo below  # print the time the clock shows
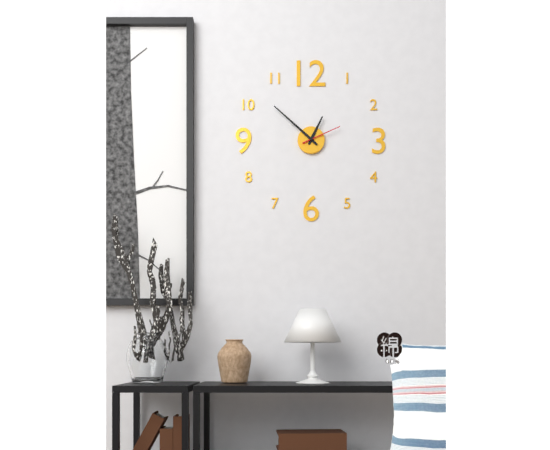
12.52
